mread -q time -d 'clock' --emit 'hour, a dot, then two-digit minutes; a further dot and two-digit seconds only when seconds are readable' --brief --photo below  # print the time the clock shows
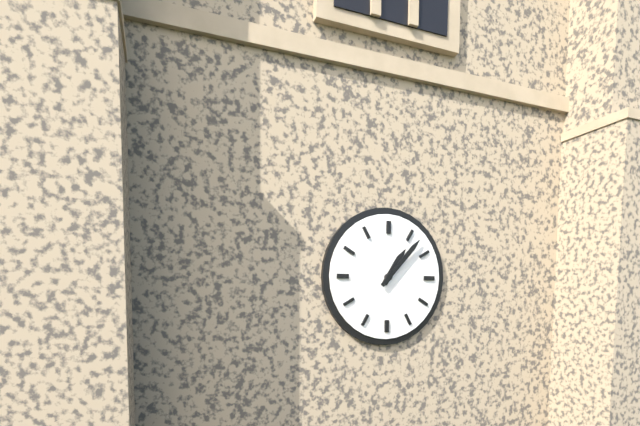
1.07
